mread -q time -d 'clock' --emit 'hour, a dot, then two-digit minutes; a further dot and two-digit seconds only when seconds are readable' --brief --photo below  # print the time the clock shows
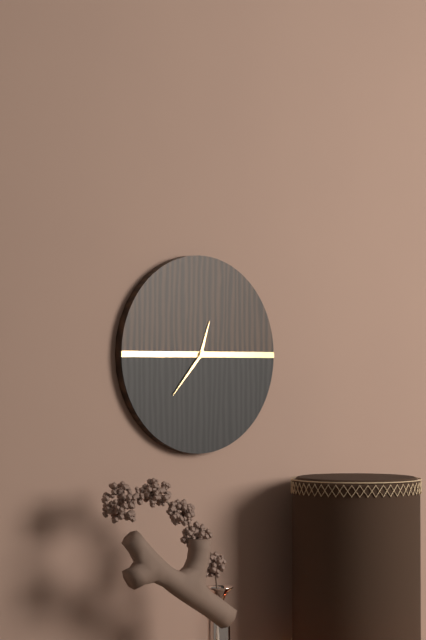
12.37
